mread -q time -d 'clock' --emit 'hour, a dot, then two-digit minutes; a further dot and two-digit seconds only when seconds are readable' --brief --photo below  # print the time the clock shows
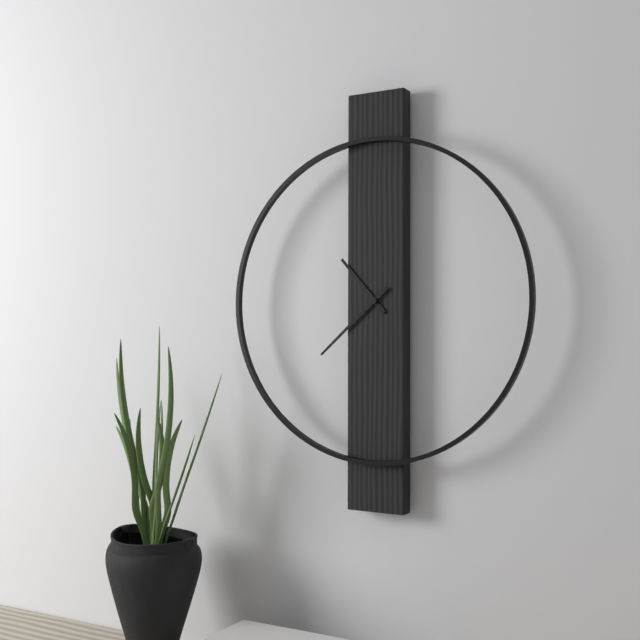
10.38
